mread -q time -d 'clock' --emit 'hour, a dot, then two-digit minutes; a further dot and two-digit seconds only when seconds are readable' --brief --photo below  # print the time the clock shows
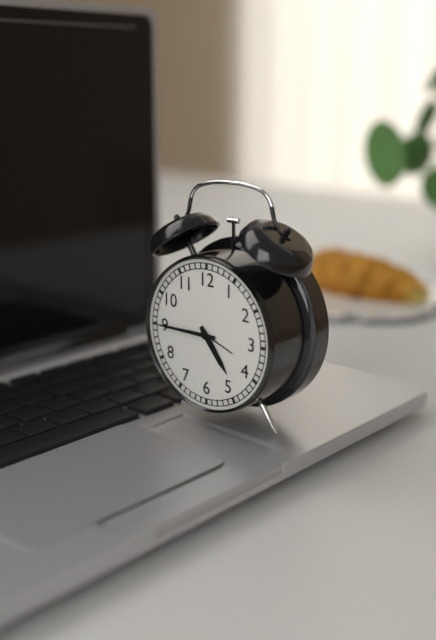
4.45
